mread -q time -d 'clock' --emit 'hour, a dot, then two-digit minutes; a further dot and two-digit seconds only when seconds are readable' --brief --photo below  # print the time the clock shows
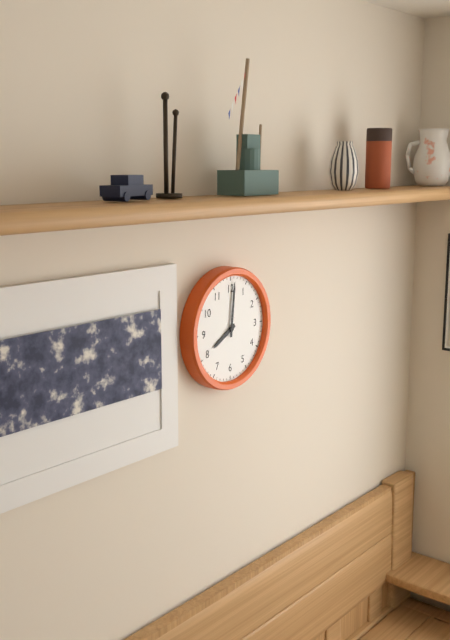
8.01
